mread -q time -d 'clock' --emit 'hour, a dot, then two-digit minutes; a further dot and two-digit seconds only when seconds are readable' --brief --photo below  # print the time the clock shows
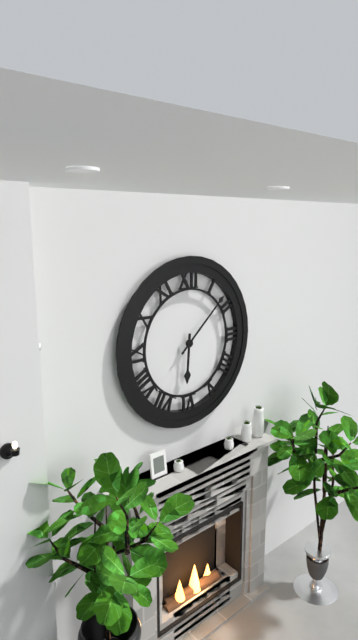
6.08
